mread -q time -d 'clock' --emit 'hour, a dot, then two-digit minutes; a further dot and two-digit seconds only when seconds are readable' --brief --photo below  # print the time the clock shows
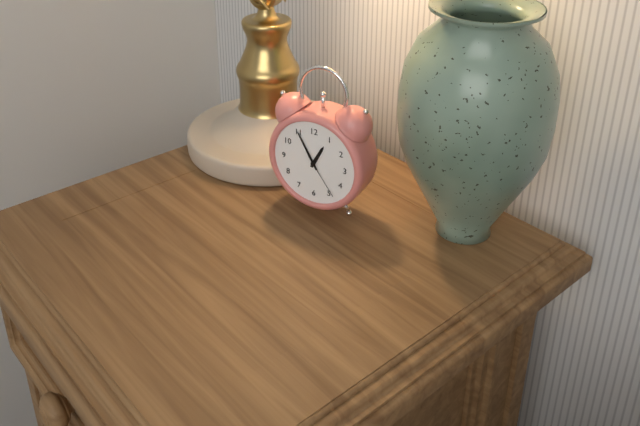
12.55
